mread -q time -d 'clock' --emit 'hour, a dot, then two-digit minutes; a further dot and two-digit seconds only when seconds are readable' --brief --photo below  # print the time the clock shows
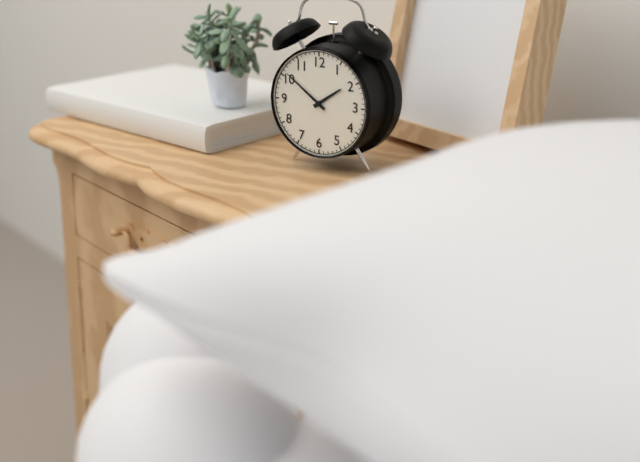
1.51
